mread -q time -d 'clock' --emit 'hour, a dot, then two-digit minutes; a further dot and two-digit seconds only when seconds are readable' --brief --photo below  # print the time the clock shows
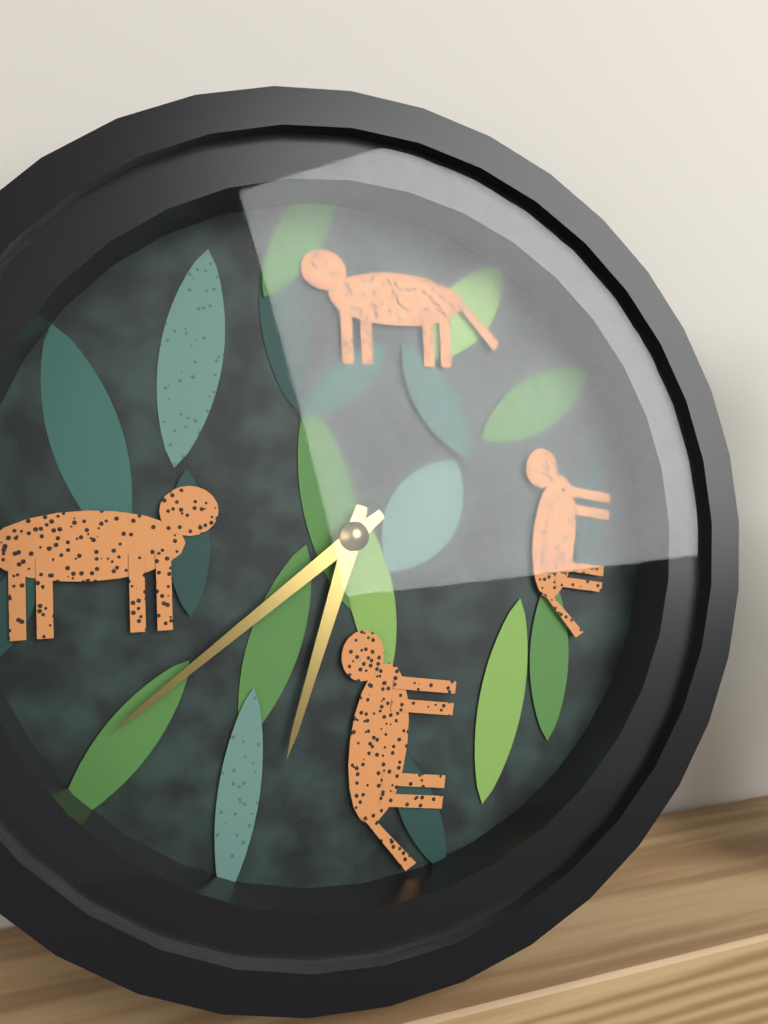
6.39
